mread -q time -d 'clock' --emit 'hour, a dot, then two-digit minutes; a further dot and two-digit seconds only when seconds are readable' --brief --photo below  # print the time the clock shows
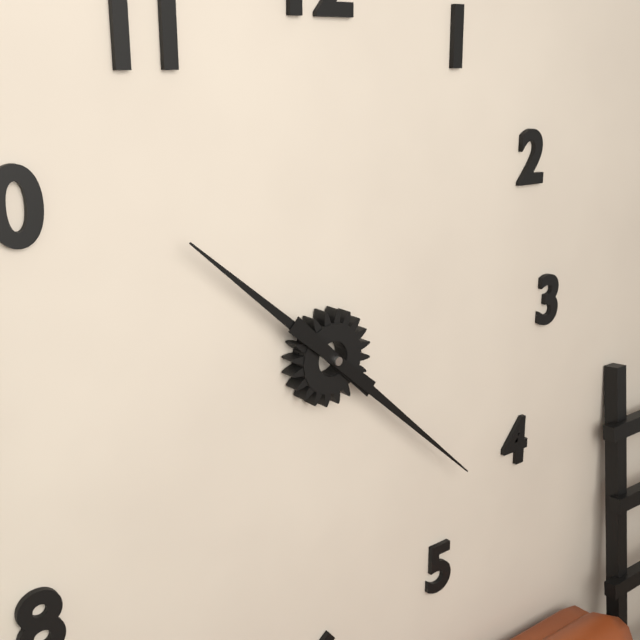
10.22
